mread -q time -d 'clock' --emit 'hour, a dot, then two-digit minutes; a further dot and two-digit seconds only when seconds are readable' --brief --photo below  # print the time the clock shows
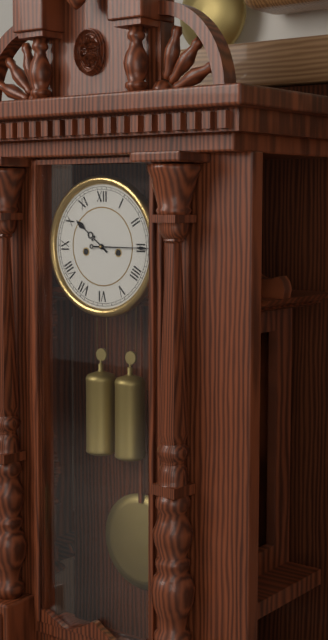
10.15
